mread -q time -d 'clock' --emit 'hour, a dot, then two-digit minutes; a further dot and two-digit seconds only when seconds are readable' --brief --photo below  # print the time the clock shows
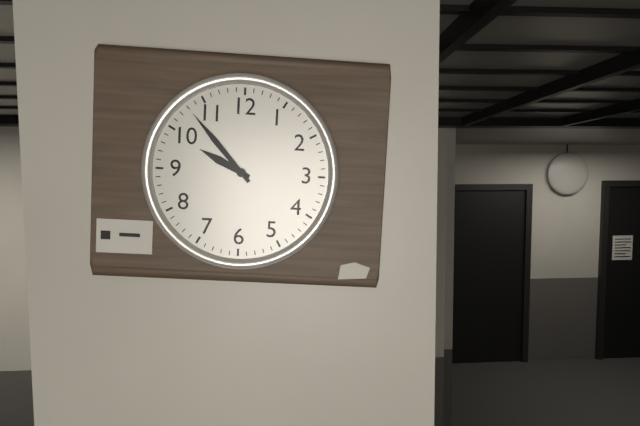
9.53
